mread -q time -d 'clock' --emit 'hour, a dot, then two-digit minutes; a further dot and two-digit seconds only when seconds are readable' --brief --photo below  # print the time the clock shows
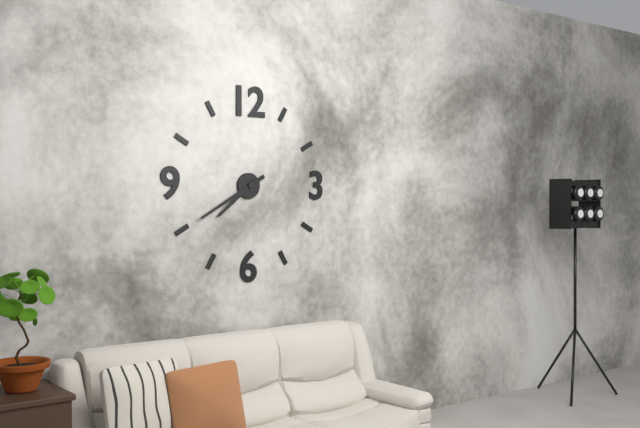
7.40
